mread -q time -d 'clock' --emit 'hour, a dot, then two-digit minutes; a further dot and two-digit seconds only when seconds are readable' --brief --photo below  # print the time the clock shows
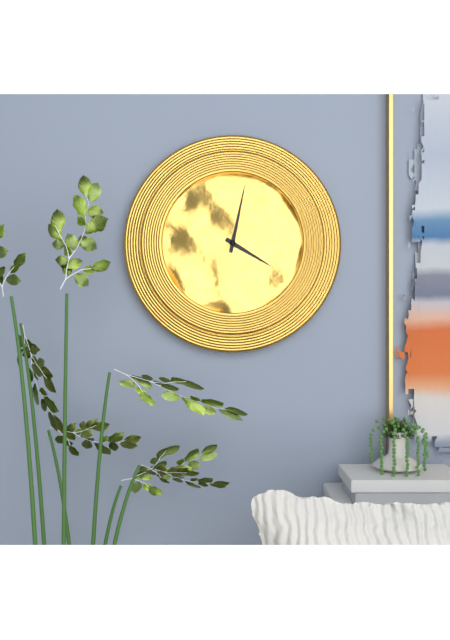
4.02
